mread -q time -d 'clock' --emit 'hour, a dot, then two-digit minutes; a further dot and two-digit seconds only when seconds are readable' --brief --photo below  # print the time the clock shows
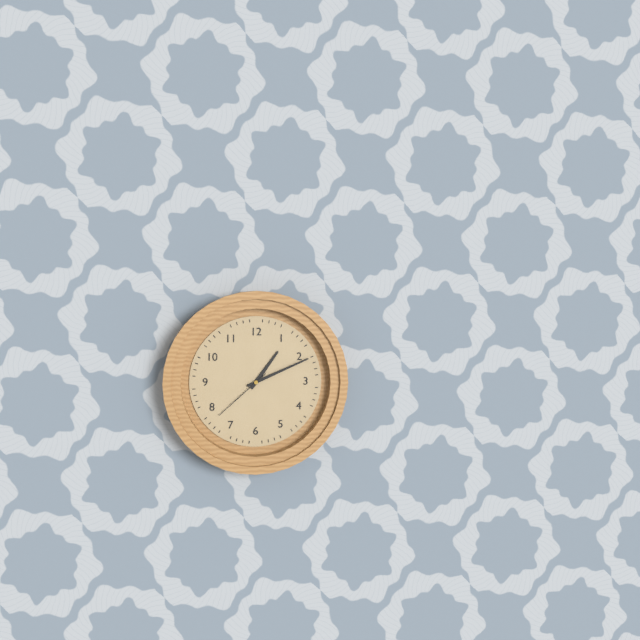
1.11.38
